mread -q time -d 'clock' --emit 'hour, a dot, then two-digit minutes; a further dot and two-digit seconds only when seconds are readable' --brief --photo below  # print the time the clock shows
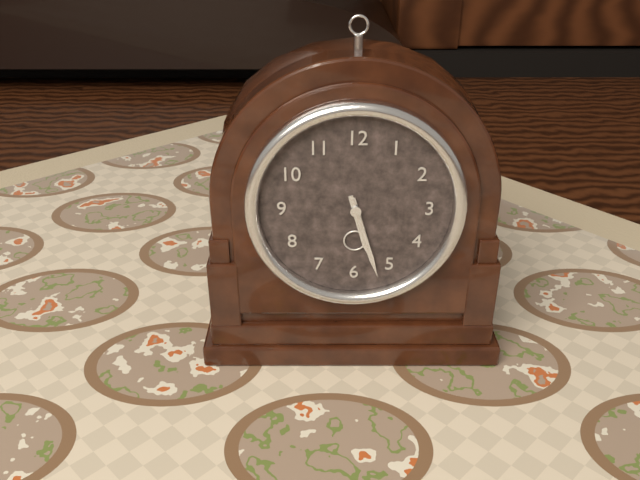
5.27
